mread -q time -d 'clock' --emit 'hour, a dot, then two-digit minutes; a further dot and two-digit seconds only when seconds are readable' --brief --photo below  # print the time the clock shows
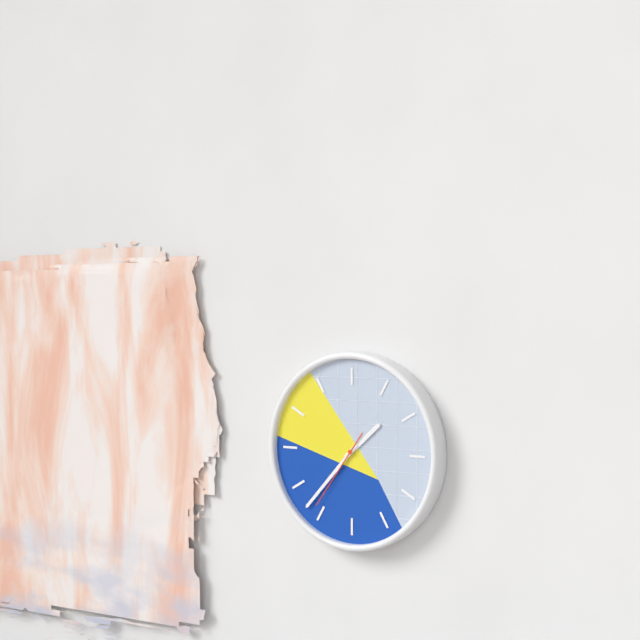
1.37.36
